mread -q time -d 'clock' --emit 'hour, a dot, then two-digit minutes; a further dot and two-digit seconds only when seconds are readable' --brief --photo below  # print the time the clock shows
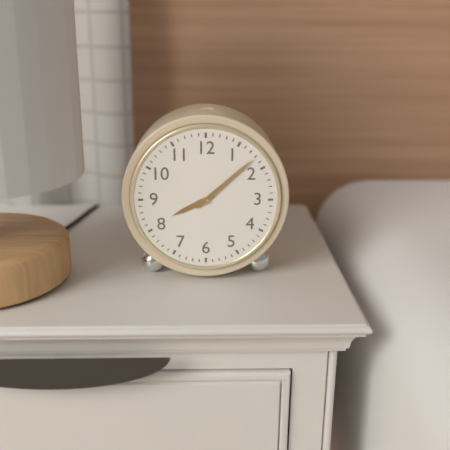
8.08
